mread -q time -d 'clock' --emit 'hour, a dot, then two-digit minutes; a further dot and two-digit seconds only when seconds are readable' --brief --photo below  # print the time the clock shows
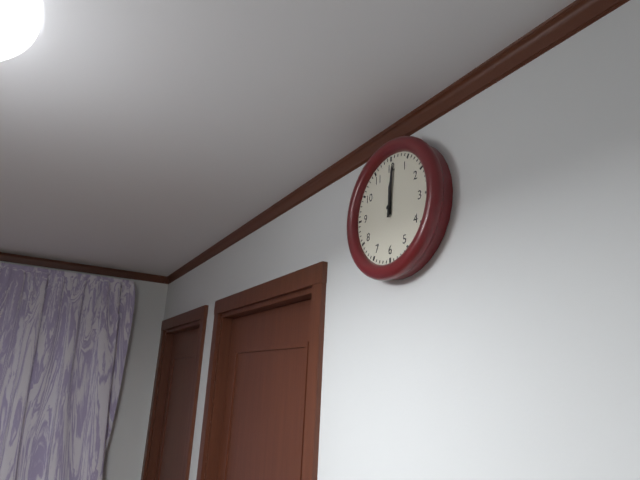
12.01
